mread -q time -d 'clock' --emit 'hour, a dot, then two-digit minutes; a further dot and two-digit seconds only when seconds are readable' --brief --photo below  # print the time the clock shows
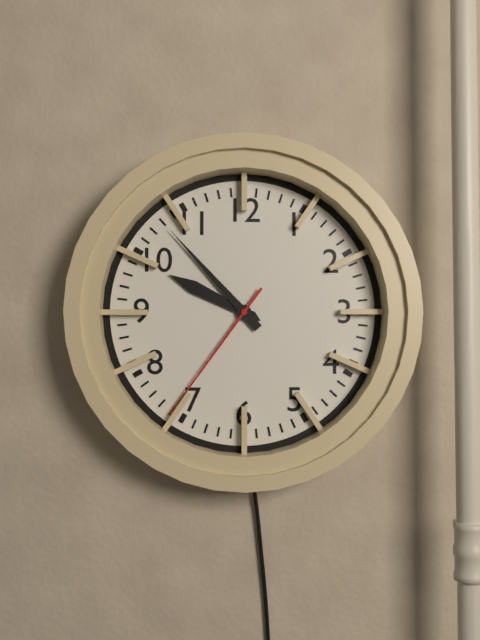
9.53.36
